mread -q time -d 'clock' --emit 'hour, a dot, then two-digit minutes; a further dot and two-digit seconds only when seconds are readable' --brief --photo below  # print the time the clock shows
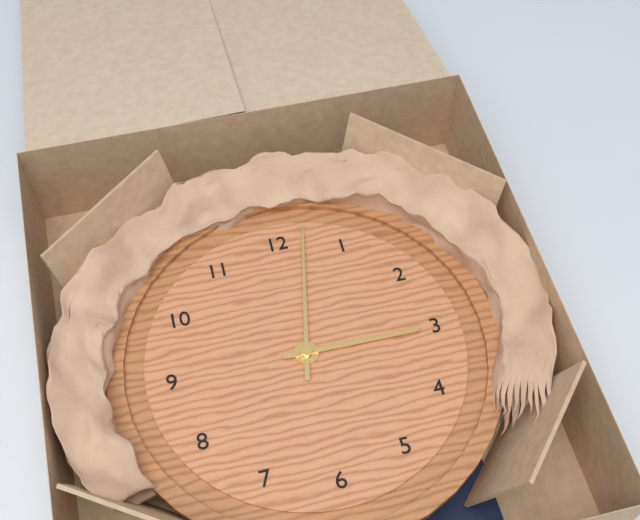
3.02
